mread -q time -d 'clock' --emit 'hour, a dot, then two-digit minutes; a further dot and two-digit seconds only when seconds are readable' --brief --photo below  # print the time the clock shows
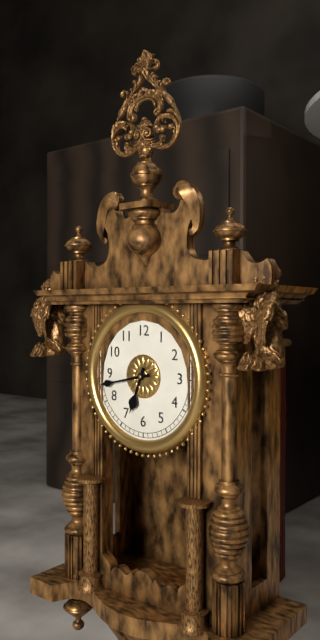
6.43
